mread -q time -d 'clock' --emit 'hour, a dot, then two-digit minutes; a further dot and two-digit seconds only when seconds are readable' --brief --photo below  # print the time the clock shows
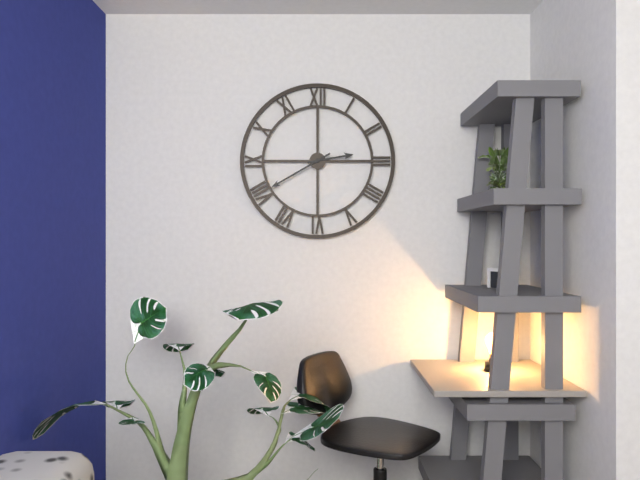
2.40
